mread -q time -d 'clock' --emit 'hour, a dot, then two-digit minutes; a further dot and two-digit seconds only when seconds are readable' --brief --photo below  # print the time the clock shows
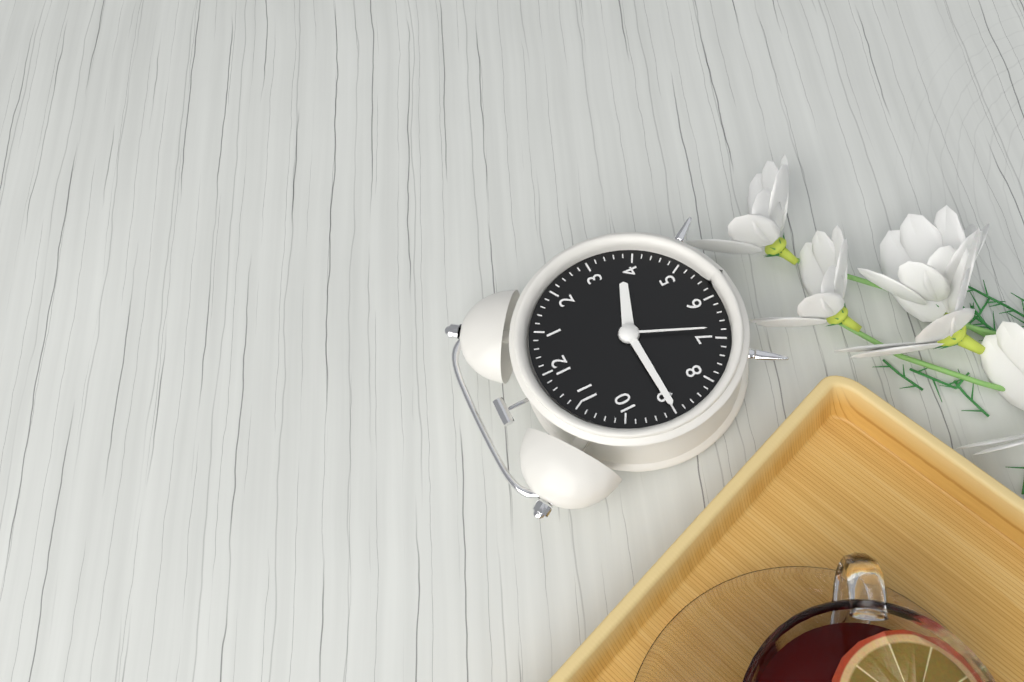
3.45.34
